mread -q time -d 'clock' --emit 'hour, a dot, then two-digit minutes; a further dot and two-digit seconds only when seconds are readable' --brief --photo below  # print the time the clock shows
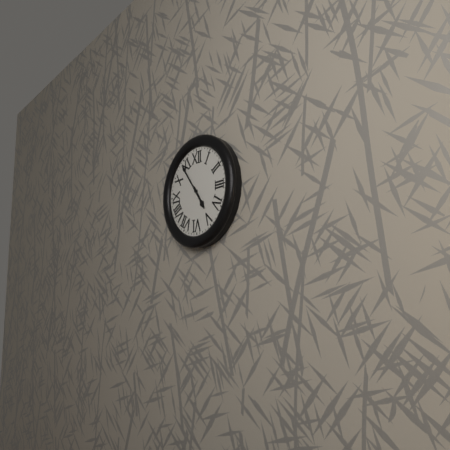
4.54
